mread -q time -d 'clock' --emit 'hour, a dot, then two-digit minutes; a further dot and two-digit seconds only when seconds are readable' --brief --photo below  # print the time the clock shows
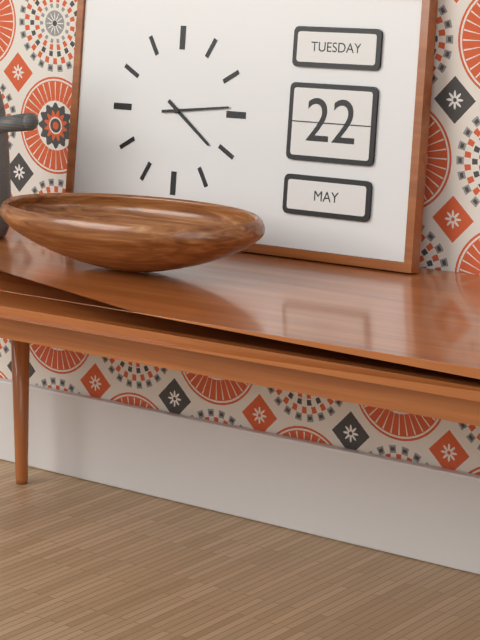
4.14
